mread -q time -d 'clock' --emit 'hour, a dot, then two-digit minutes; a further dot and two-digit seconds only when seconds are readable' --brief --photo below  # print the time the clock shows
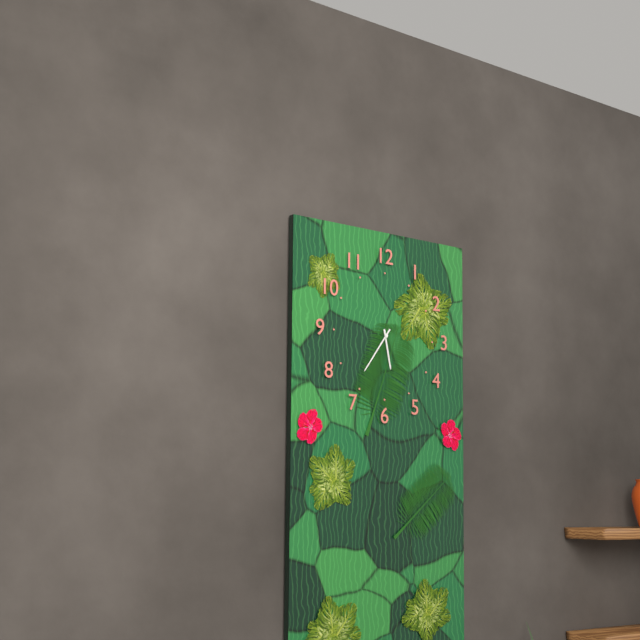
5.36
